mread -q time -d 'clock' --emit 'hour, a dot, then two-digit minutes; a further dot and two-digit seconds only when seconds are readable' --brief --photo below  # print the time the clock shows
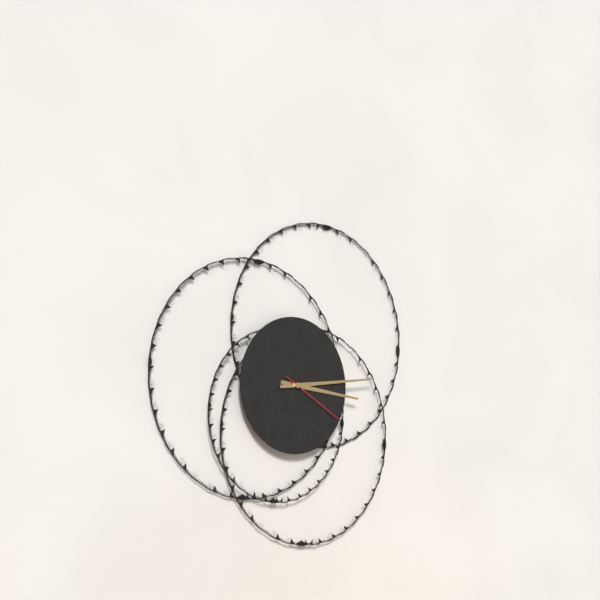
3.14.20
